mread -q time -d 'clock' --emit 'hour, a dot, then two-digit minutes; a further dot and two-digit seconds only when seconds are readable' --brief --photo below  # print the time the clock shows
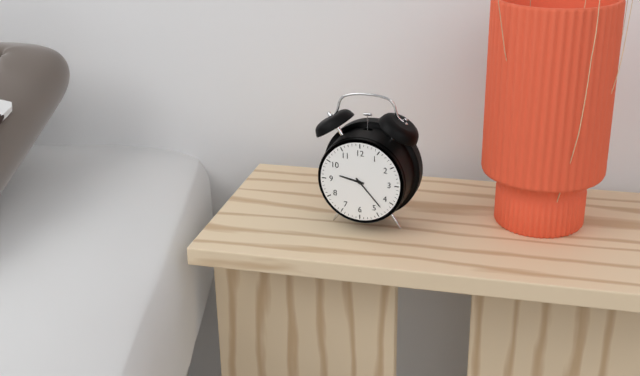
9.23
